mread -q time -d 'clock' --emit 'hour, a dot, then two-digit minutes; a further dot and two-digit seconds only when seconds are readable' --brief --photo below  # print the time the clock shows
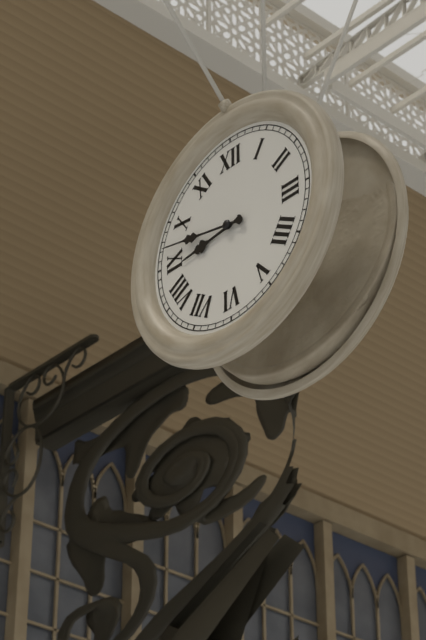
8.47
